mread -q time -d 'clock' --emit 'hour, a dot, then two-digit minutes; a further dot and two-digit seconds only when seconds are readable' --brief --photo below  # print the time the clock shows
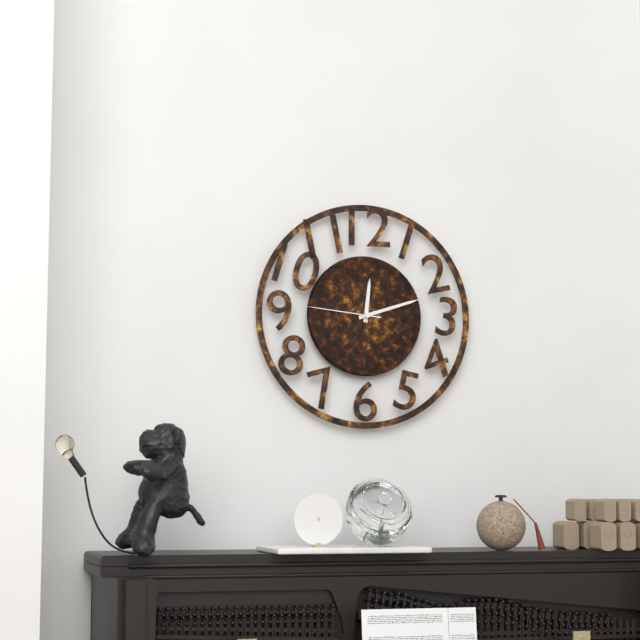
12.12.46
